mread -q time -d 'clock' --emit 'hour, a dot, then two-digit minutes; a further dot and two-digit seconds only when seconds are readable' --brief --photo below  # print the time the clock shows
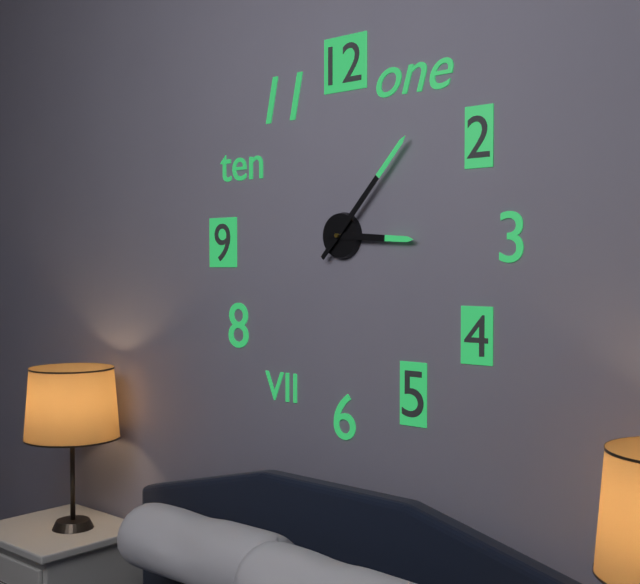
3.07
